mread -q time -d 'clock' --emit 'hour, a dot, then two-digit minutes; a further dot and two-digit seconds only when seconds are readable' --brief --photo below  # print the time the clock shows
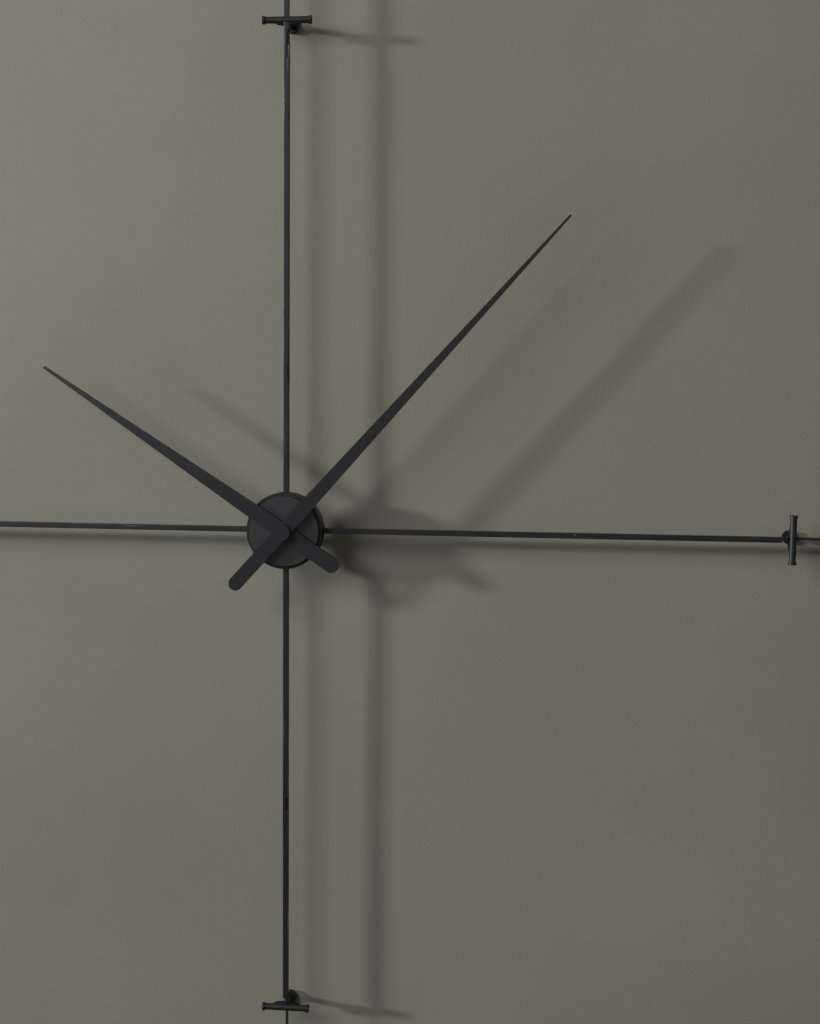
10.07
